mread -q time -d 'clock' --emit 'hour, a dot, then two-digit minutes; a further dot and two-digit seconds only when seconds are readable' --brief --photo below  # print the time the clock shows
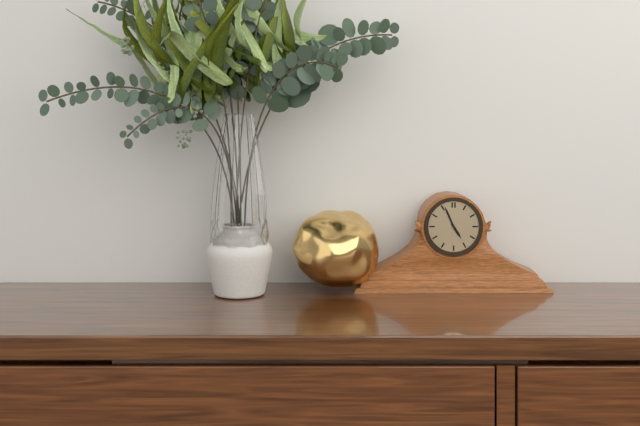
4.56
